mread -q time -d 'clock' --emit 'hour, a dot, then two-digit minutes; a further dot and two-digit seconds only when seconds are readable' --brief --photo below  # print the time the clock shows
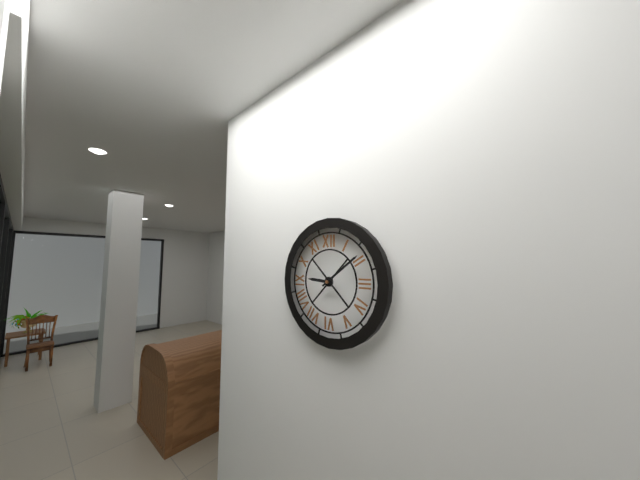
9.09
